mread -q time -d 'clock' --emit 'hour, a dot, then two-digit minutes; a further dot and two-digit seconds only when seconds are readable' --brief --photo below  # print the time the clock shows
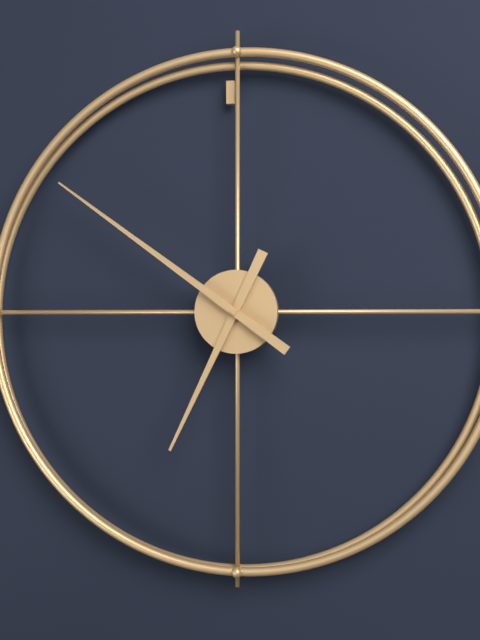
6.51
